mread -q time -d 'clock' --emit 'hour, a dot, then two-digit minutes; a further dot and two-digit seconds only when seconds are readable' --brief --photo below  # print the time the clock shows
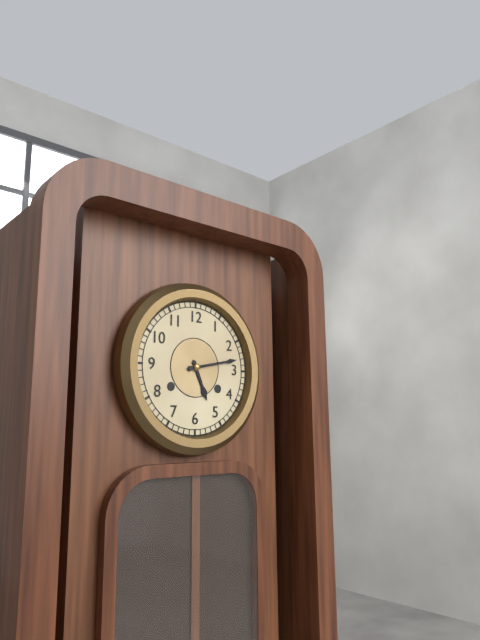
5.13
